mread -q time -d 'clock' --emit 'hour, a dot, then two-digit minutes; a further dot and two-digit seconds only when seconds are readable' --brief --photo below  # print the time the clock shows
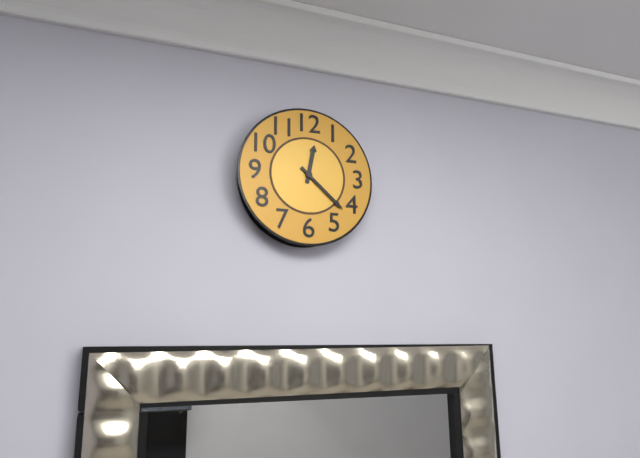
12.22
